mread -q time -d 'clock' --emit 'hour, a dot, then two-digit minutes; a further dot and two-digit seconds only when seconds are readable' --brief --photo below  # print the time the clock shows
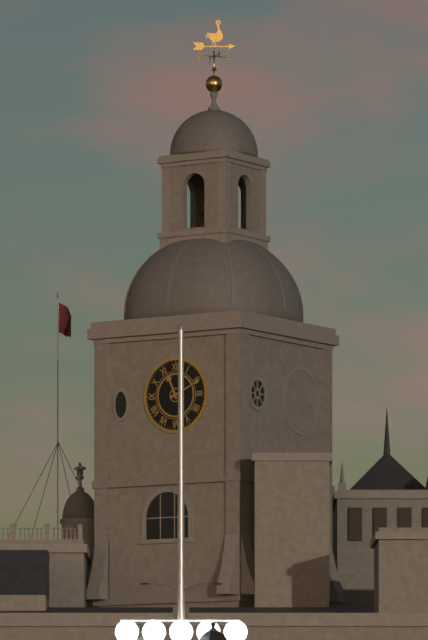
11.11
